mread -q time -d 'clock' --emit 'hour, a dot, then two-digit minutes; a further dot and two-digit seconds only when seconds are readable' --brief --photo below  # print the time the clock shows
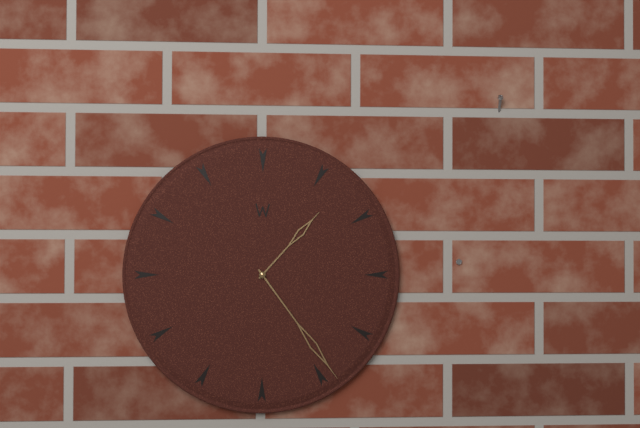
1.24
